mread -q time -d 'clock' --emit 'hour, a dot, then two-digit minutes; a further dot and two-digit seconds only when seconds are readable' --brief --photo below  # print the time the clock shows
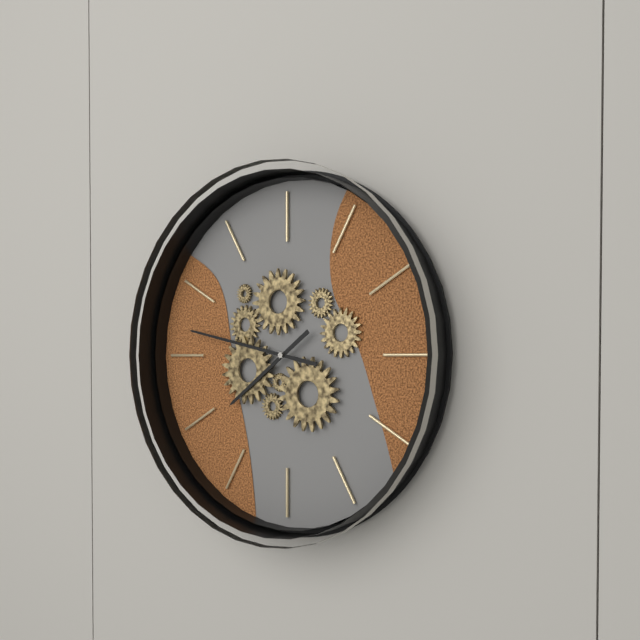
7.47
